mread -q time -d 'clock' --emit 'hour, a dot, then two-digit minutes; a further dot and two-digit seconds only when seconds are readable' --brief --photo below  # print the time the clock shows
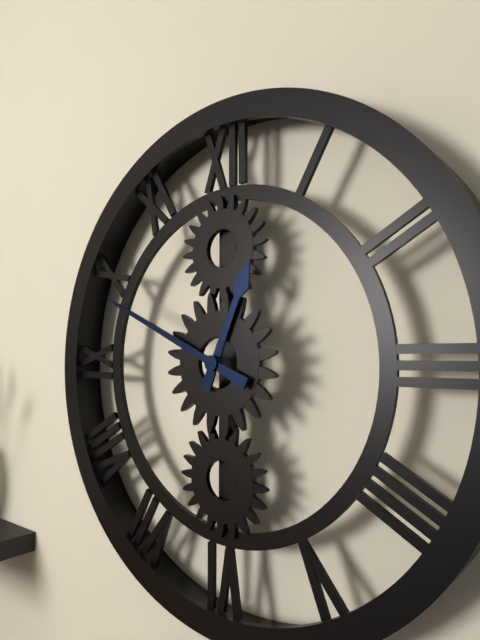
12.49
